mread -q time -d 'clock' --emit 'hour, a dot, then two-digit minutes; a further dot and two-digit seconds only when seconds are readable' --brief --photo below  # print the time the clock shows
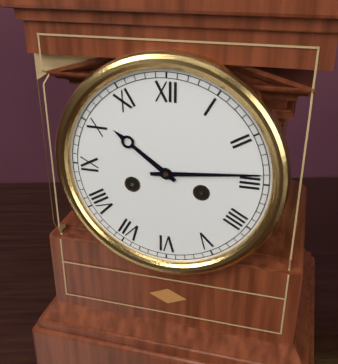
10.14
